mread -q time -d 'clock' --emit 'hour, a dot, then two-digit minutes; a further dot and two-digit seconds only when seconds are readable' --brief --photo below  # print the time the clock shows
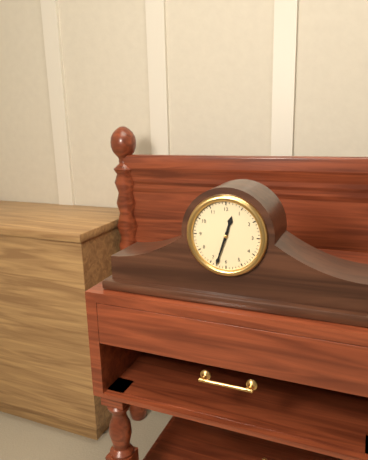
12.33
